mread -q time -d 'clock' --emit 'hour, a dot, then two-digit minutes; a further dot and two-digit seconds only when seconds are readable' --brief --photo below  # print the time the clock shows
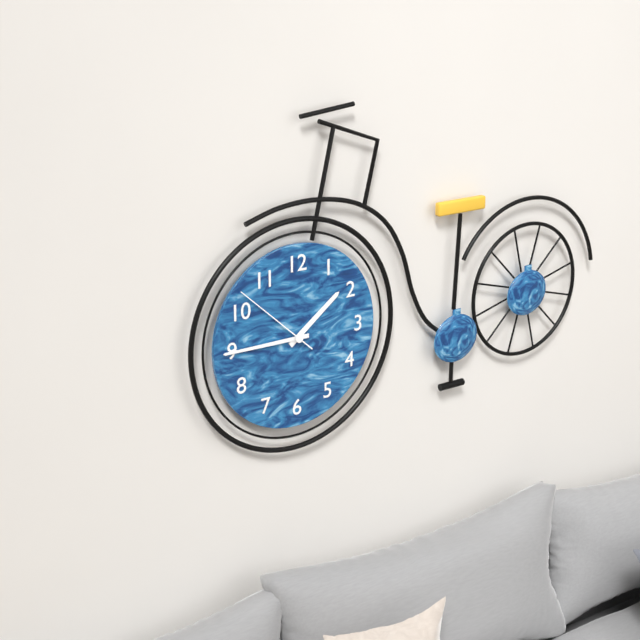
1.45.52
